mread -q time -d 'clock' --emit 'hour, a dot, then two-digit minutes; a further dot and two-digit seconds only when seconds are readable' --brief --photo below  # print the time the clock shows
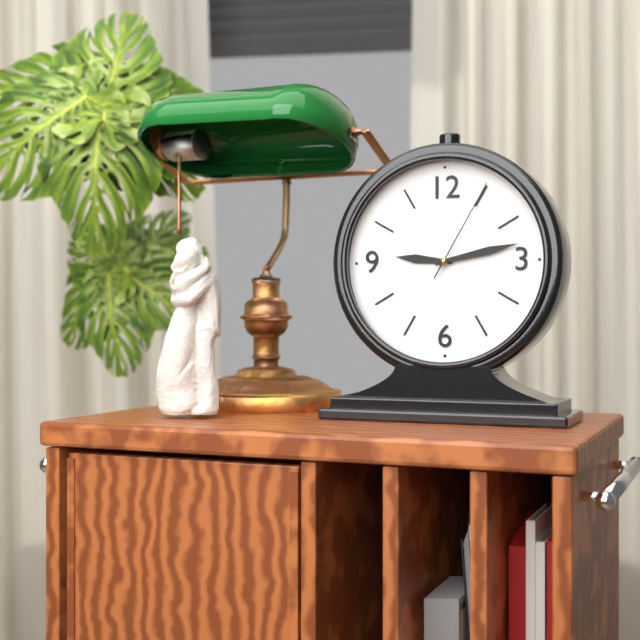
9.13.05
